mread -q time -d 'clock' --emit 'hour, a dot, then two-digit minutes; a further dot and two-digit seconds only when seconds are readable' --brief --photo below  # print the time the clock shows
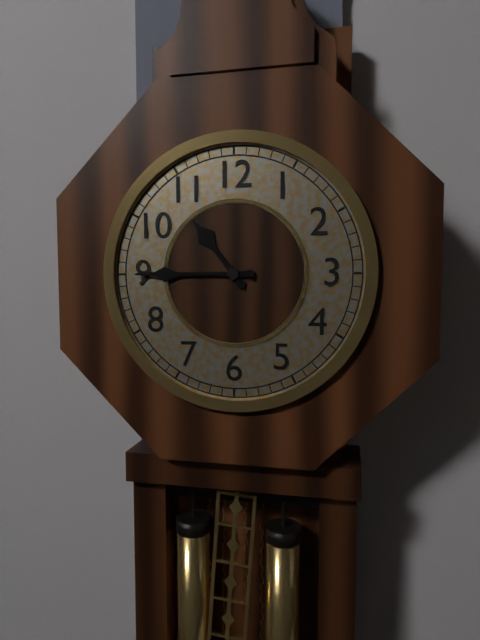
10.45
